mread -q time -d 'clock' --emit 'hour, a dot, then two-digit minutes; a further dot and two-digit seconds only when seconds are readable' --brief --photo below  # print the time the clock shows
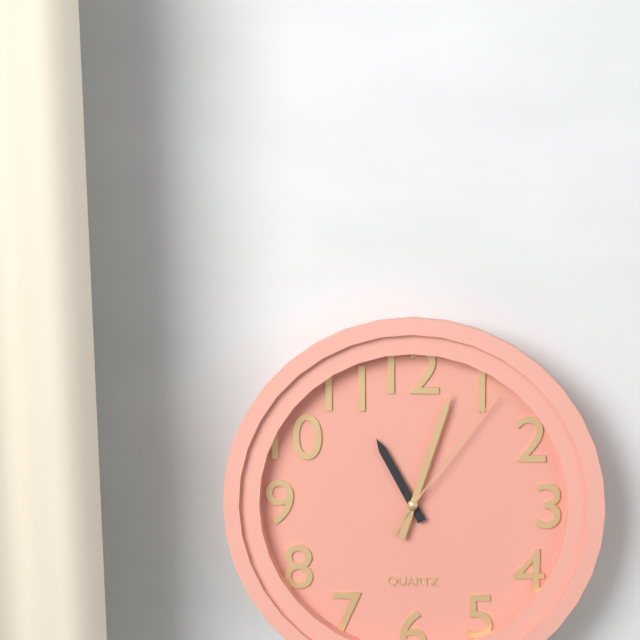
11.03.06
